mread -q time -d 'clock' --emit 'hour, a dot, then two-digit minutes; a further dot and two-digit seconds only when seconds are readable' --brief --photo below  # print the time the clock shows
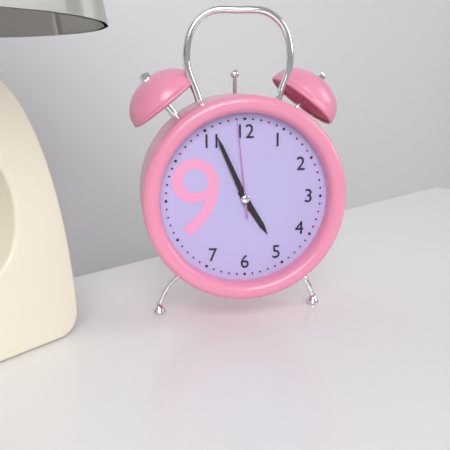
4.56.59
